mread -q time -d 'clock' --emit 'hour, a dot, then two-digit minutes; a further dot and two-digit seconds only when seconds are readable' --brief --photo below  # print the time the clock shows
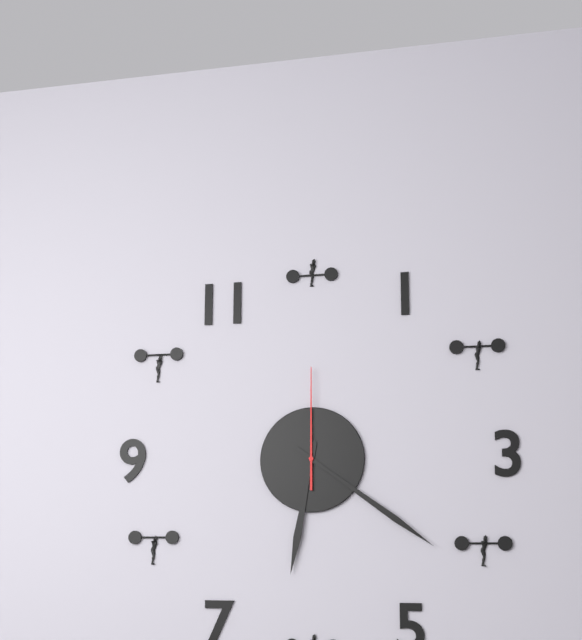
6.21.00
